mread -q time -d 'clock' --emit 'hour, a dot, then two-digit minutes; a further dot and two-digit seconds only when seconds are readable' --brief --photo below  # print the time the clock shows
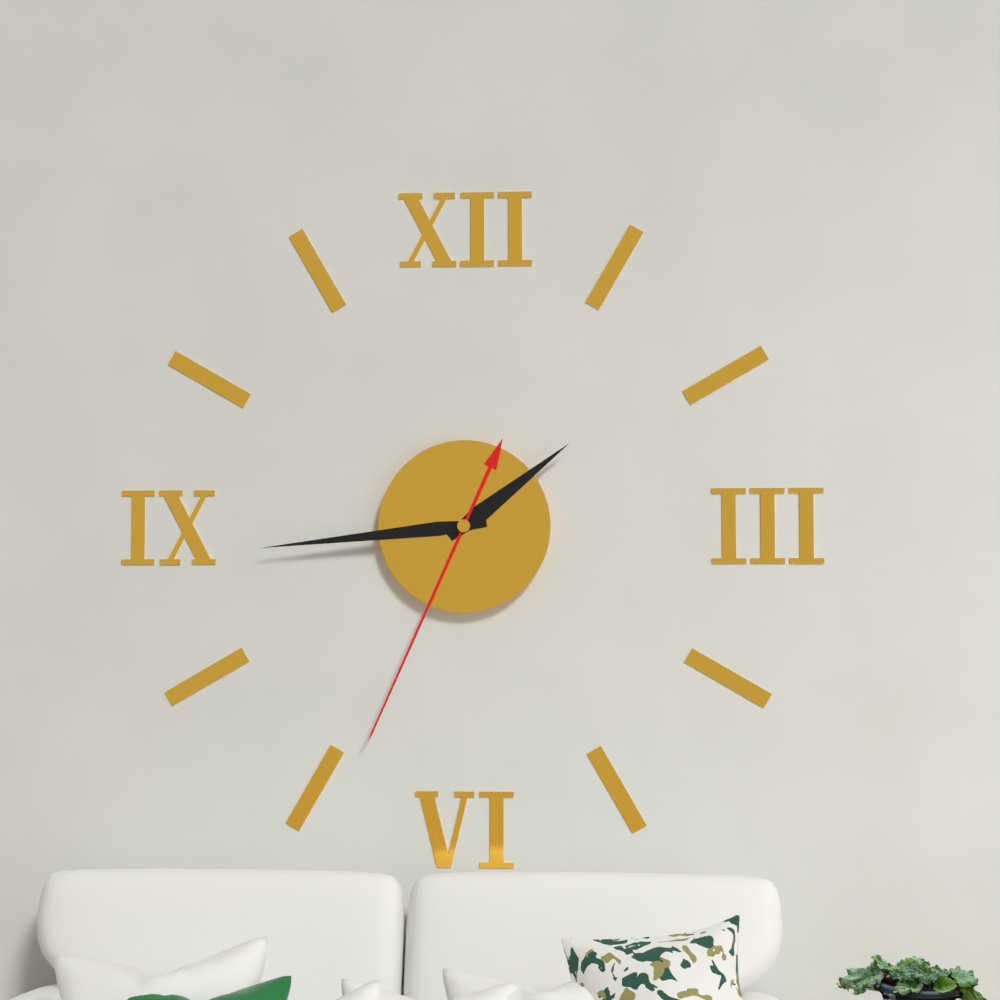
1.44.34
